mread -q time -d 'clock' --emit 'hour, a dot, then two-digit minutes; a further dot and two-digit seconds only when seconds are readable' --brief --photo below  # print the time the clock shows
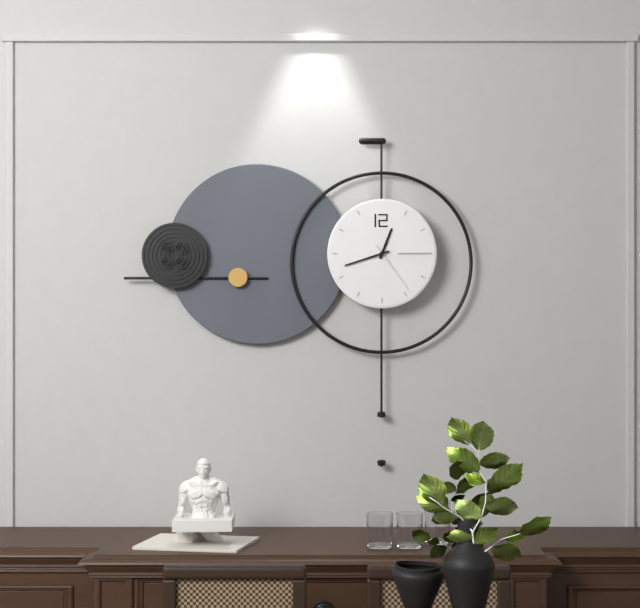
12.42.24
